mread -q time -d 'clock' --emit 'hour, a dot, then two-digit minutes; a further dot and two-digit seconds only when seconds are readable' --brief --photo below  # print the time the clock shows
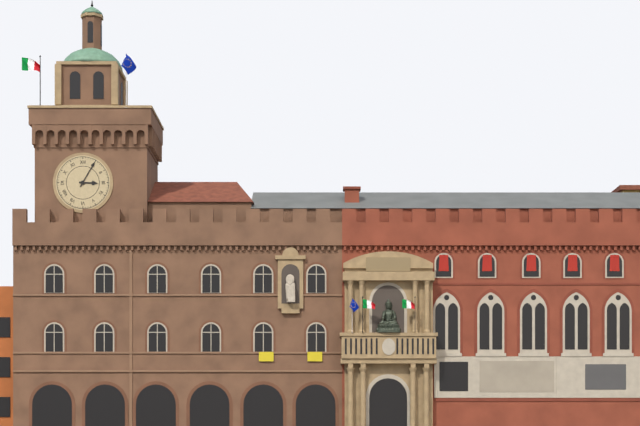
3.05
